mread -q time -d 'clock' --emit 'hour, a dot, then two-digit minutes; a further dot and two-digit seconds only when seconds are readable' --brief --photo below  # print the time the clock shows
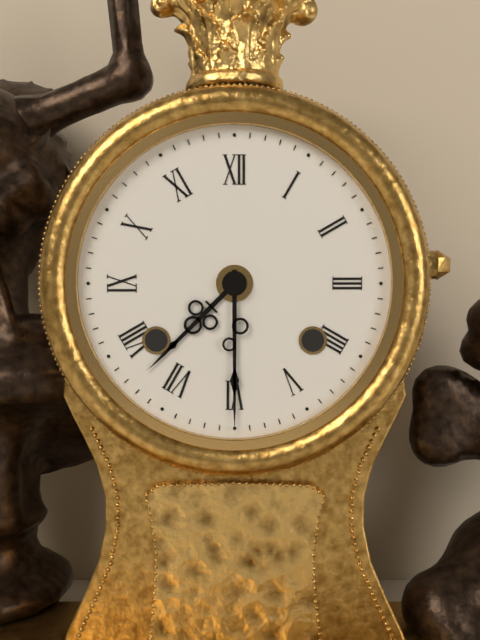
7.30
